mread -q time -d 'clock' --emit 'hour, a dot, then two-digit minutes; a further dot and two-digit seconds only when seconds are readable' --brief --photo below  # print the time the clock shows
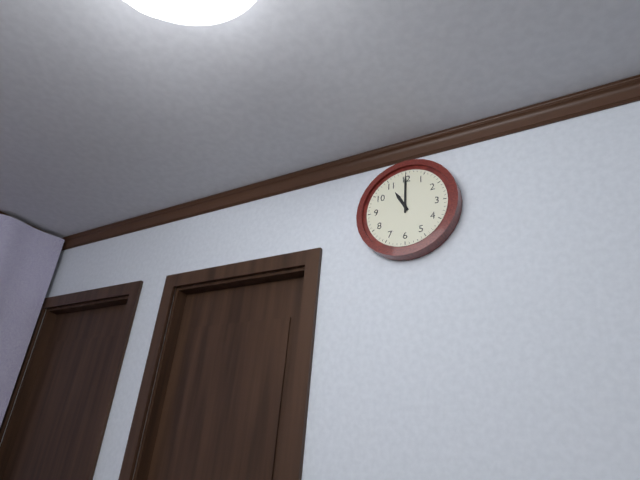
11.00
